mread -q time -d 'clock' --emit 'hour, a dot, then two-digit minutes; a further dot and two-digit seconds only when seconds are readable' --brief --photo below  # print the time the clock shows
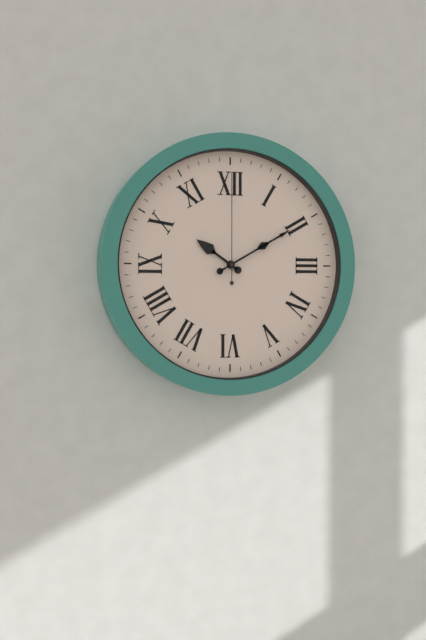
10.10.00
